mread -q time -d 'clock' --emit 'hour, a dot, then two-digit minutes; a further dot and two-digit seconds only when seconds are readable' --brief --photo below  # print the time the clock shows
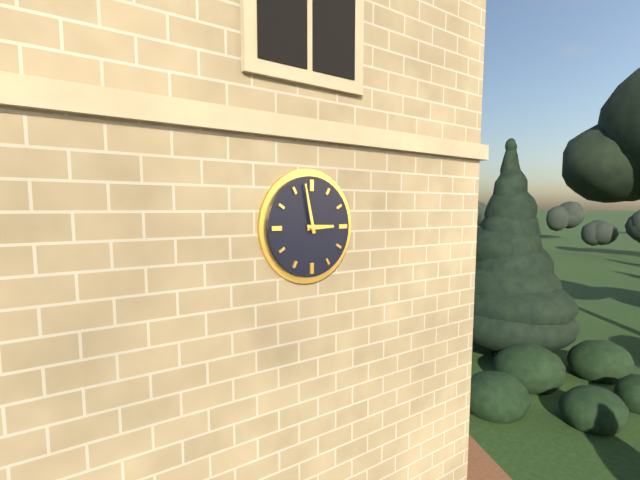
2.58
